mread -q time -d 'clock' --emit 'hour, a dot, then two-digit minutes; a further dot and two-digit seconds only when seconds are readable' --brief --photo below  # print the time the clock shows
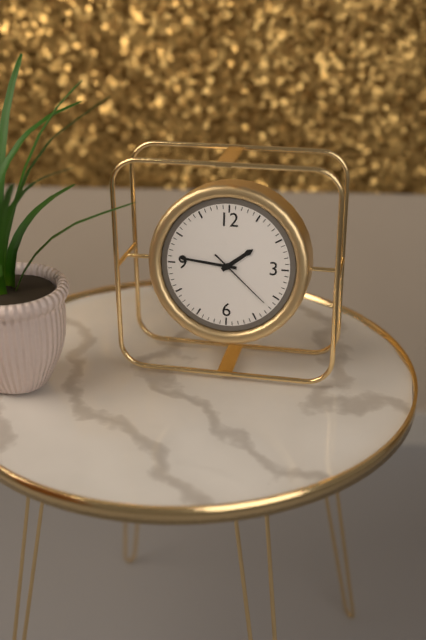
1.46.22
